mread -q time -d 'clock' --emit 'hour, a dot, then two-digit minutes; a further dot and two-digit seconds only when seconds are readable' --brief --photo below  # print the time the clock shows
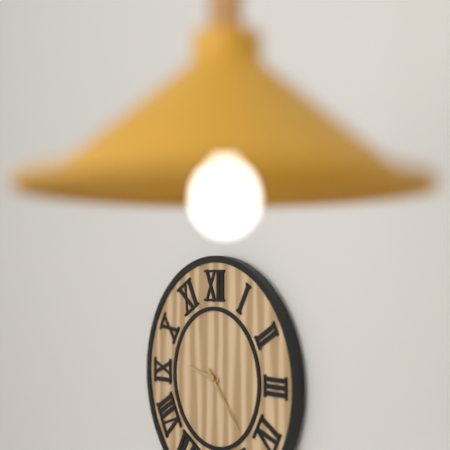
9.23
